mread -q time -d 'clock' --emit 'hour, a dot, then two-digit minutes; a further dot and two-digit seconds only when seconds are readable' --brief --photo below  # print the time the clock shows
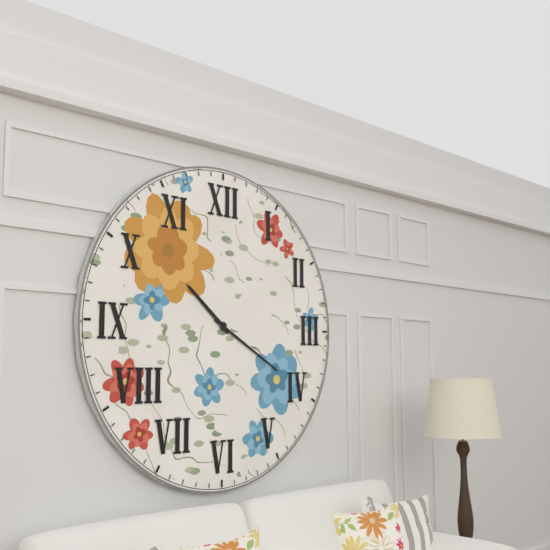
10.20
